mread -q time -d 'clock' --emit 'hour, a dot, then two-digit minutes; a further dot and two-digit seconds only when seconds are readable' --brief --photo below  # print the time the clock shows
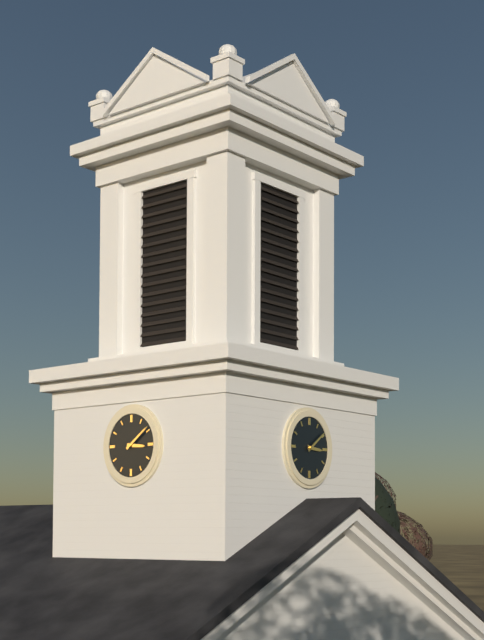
3.09
